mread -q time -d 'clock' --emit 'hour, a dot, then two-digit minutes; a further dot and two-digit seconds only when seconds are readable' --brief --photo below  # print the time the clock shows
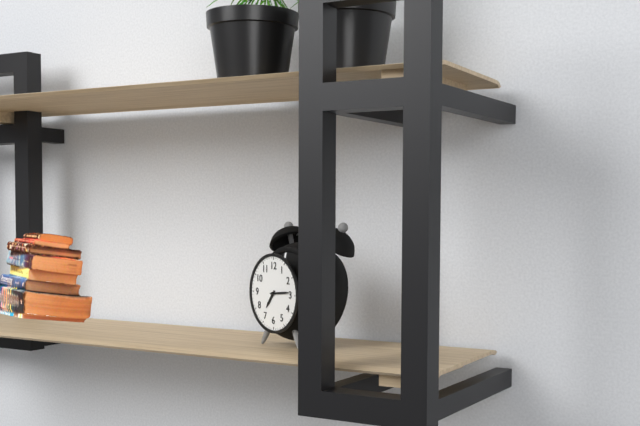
7.14
